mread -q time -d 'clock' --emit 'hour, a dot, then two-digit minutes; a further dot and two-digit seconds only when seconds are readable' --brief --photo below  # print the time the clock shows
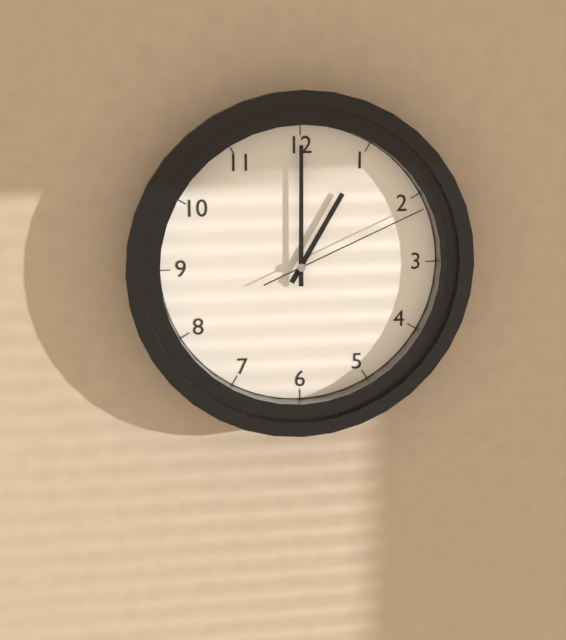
1.00.11
